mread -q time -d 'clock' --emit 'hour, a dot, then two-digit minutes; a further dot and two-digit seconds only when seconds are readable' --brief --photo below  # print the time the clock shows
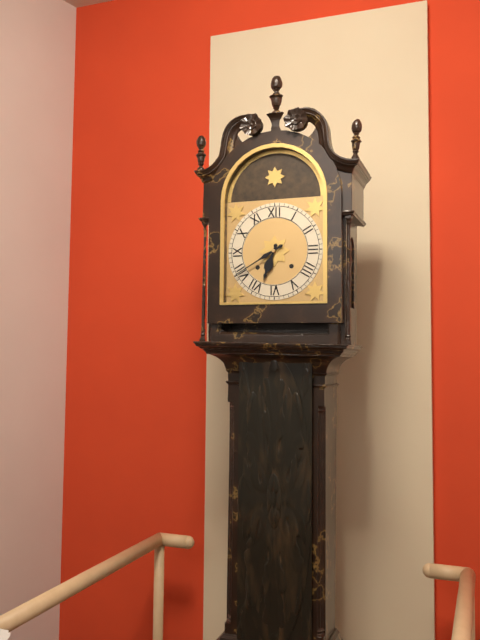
6.40
